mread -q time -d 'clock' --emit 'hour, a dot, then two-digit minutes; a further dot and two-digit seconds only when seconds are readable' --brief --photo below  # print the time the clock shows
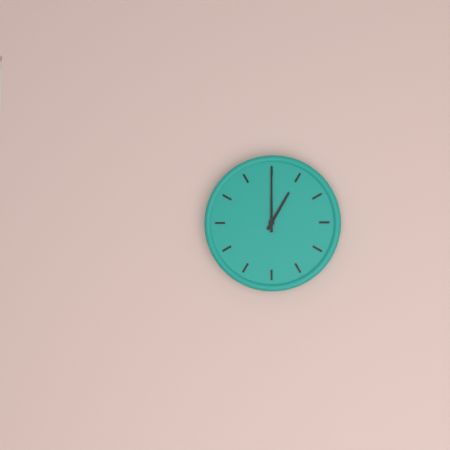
1.00
